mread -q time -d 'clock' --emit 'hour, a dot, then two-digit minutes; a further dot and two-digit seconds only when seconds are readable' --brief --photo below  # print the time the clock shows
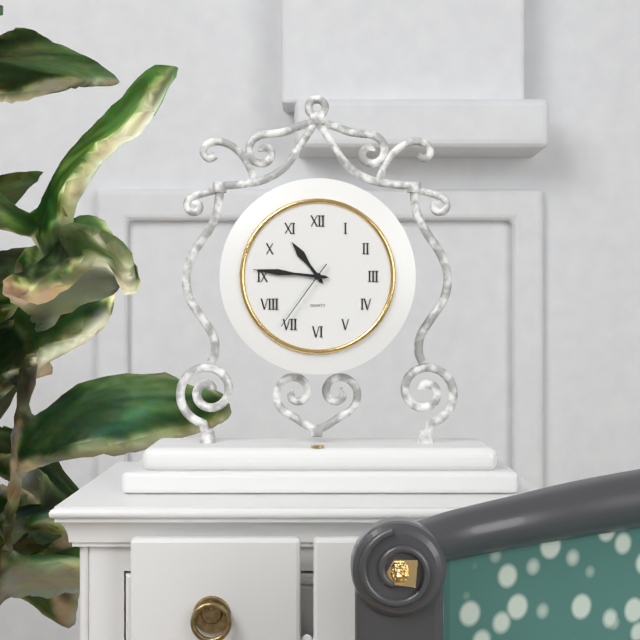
10.46.36
